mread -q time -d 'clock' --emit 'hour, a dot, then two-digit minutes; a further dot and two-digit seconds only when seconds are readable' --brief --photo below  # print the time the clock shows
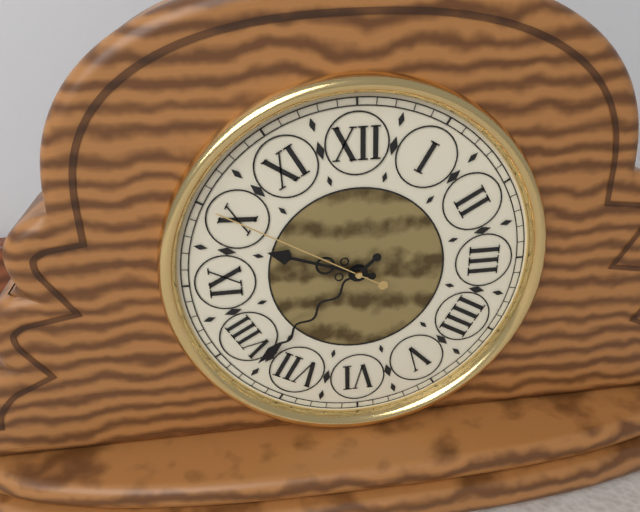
9.38.50
